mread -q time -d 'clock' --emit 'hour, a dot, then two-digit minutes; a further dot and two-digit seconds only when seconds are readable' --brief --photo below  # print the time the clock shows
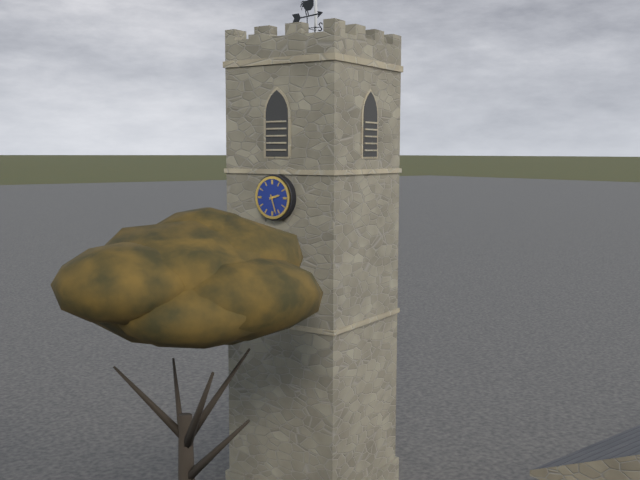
2.27
